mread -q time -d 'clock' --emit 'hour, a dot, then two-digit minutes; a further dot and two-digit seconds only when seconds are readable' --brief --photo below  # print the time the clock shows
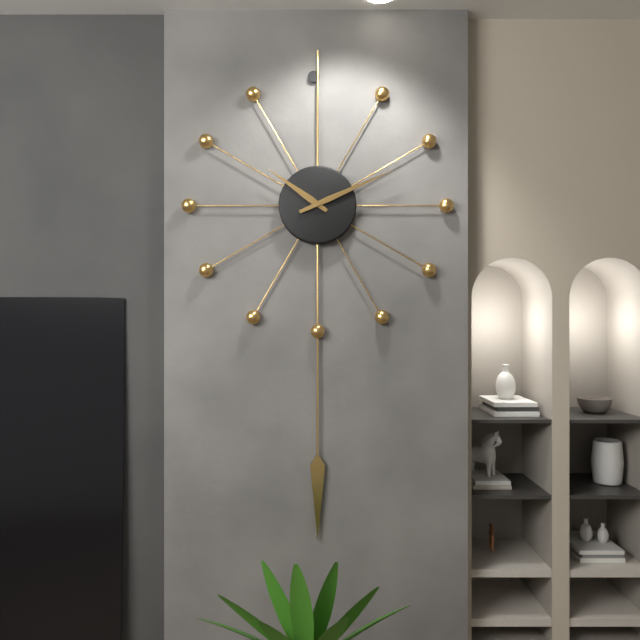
10.11
